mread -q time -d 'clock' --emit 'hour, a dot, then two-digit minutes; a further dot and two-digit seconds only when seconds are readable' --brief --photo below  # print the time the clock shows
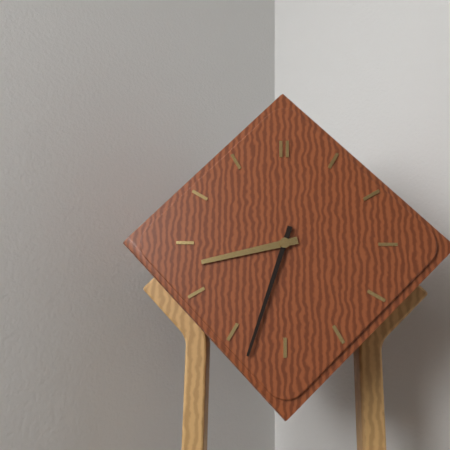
8.33
